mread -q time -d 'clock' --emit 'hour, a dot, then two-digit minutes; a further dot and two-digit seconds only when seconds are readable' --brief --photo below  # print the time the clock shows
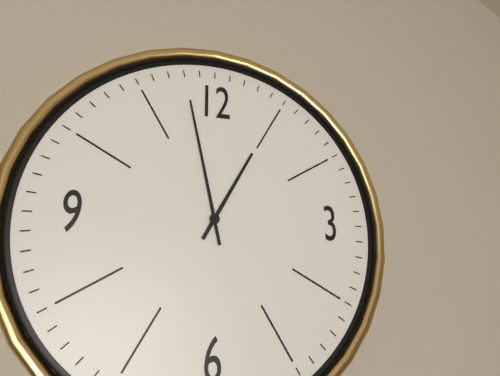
12.58
